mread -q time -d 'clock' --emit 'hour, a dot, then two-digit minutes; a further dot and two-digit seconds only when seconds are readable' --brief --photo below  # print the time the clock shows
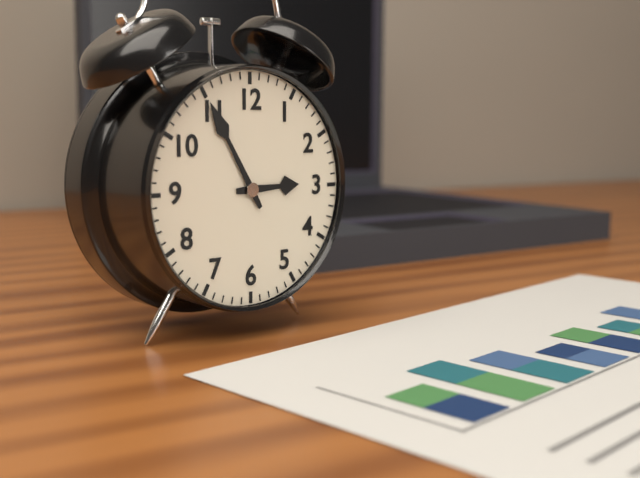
2.55
